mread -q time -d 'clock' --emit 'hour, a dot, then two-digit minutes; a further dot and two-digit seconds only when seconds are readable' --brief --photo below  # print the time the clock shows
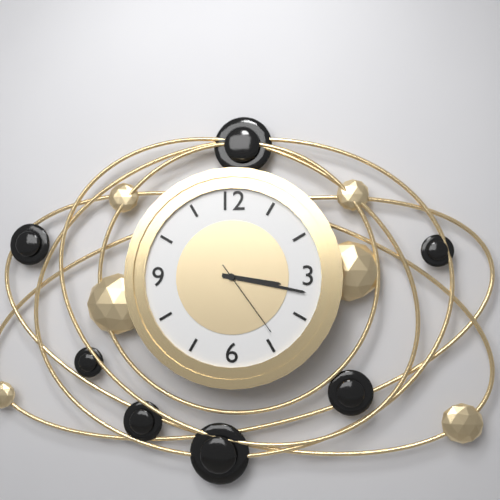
3.17.24
